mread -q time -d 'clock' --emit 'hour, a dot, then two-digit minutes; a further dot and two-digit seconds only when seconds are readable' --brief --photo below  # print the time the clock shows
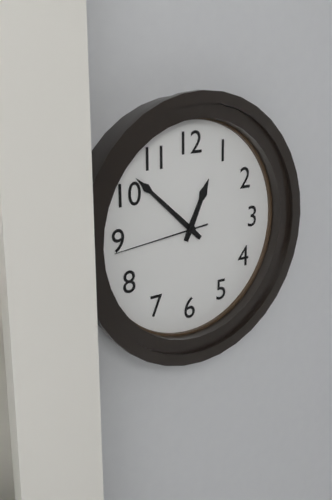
12.52.44
